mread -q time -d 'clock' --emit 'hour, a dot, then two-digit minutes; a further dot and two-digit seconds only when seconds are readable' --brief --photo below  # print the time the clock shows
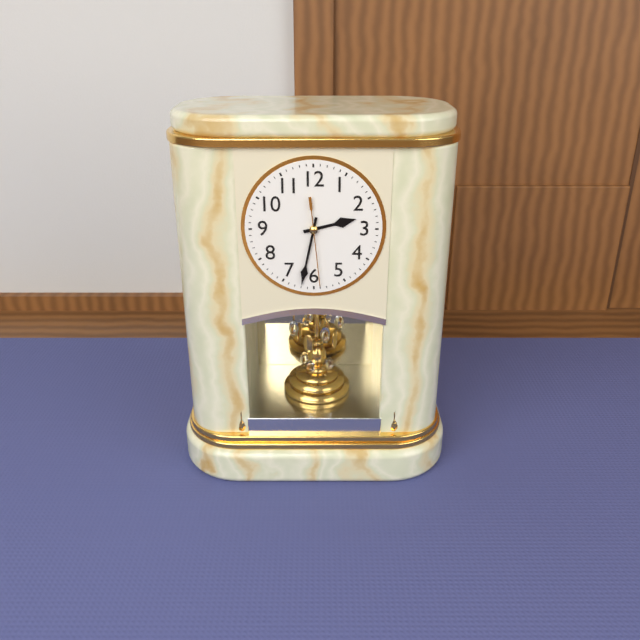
2.32.29
